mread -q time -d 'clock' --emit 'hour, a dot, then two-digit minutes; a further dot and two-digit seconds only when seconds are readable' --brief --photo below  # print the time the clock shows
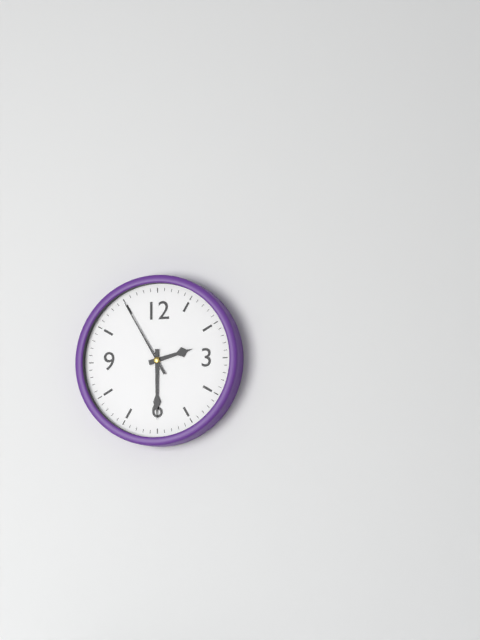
2.30.55
